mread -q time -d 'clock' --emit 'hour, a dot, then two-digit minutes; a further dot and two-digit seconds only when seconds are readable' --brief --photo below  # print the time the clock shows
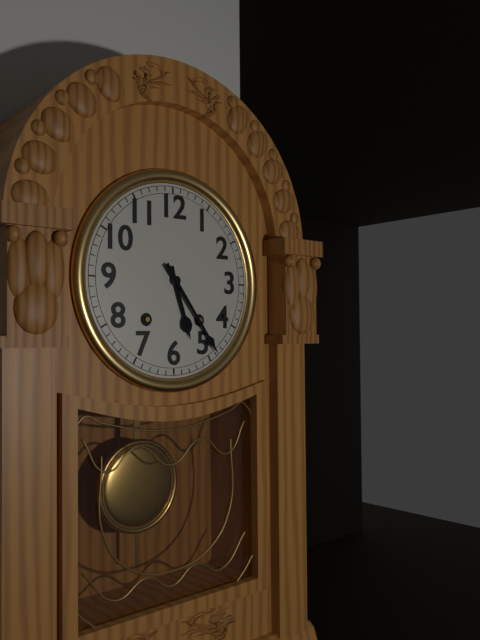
5.24
